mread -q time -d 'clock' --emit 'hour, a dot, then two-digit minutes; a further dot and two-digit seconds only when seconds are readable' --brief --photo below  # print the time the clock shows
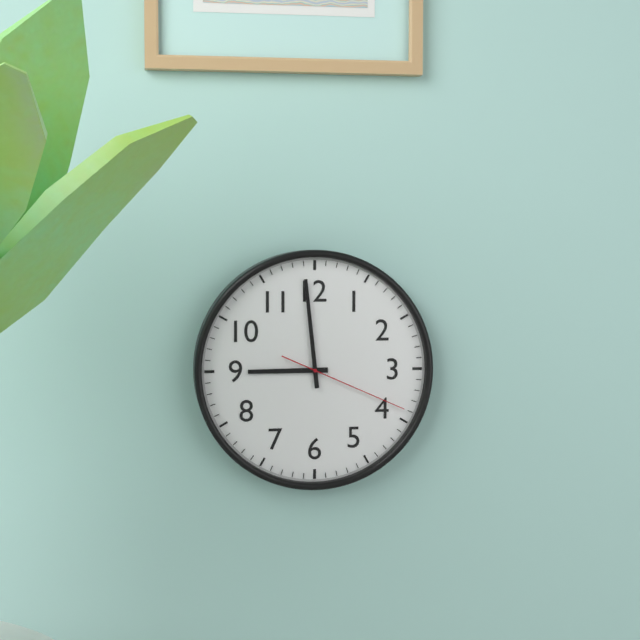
8.59.19
